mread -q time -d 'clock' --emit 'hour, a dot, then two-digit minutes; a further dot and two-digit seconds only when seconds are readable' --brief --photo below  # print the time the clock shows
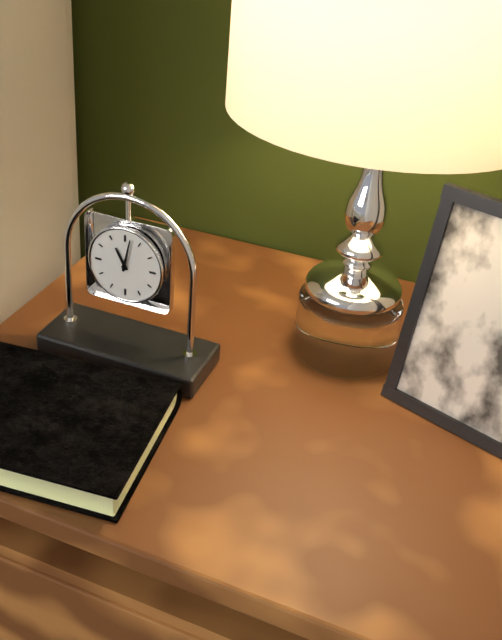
11.02
